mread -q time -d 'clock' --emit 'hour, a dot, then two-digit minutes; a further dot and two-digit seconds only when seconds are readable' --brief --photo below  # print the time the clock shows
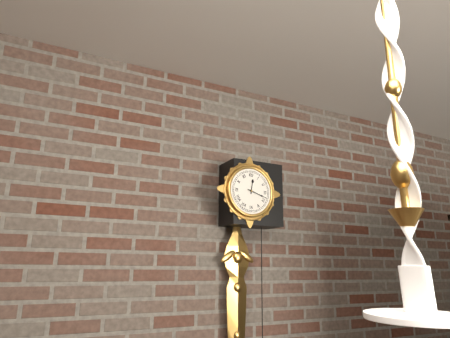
12.18
